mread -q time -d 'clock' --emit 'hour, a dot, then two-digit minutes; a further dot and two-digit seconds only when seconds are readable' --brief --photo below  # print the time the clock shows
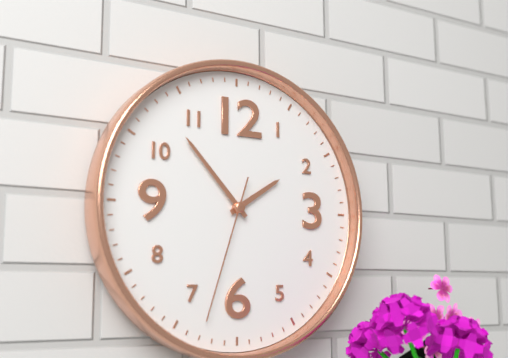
1.53.33
